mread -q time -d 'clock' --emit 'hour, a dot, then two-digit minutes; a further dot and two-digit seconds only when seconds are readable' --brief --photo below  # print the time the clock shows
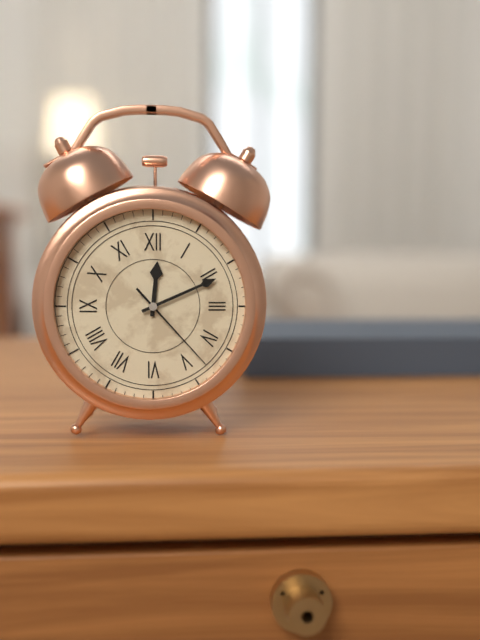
12.11.23
